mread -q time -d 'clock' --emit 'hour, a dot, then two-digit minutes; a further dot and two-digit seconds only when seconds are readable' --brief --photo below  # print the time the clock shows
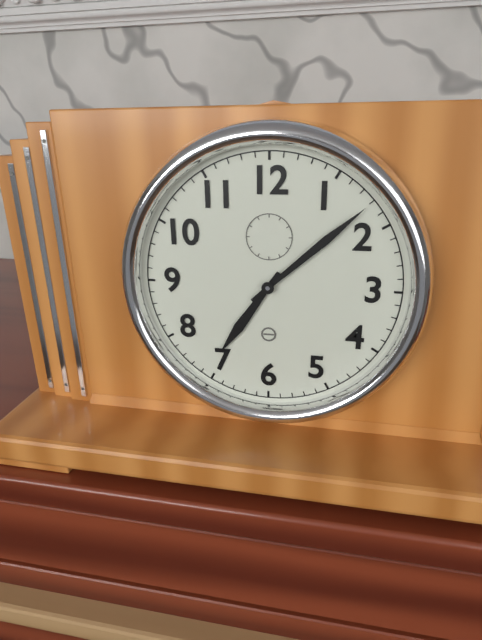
7.08
